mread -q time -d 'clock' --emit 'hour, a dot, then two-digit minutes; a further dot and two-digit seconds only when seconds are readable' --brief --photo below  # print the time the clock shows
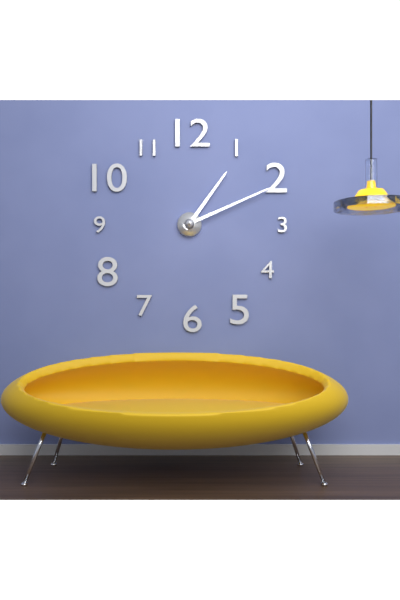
1.11
